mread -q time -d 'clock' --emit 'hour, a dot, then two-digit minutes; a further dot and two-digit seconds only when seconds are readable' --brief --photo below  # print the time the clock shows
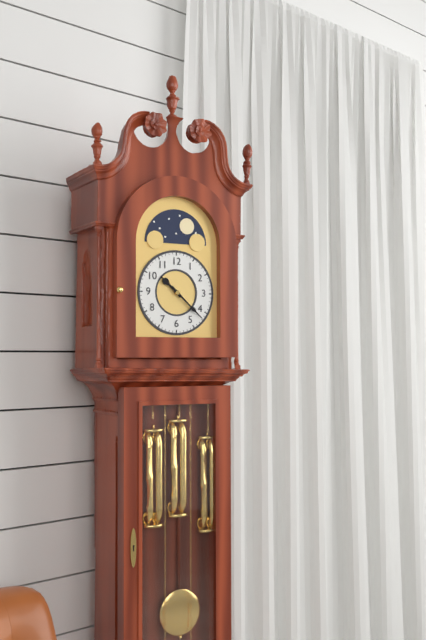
10.22
